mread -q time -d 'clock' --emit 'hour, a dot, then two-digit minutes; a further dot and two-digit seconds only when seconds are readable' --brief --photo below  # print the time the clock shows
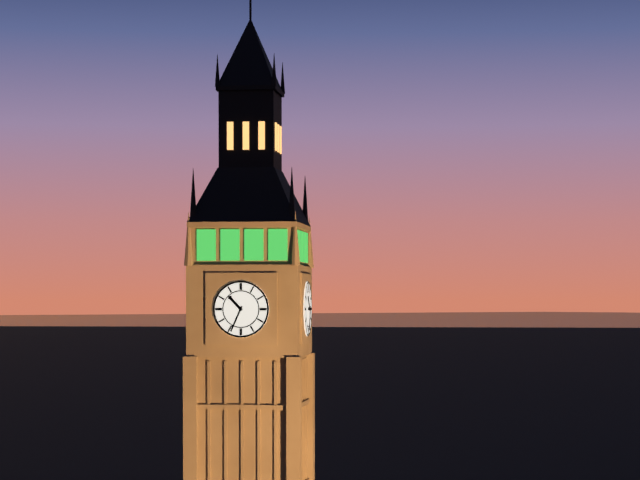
10.34
